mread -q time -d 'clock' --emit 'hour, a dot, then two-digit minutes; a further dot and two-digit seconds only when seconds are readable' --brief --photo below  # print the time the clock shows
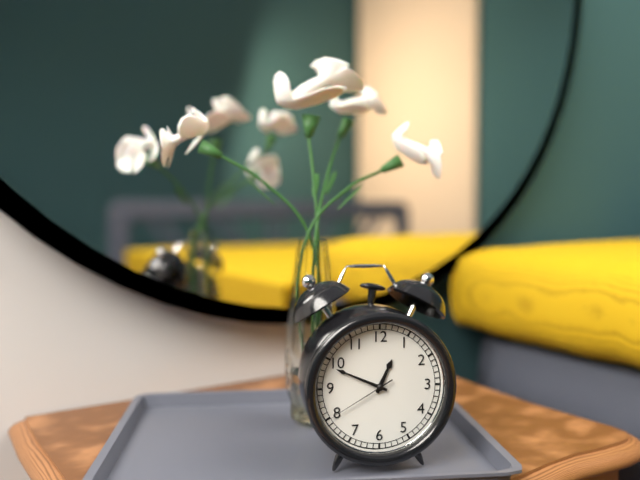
12.49.40
